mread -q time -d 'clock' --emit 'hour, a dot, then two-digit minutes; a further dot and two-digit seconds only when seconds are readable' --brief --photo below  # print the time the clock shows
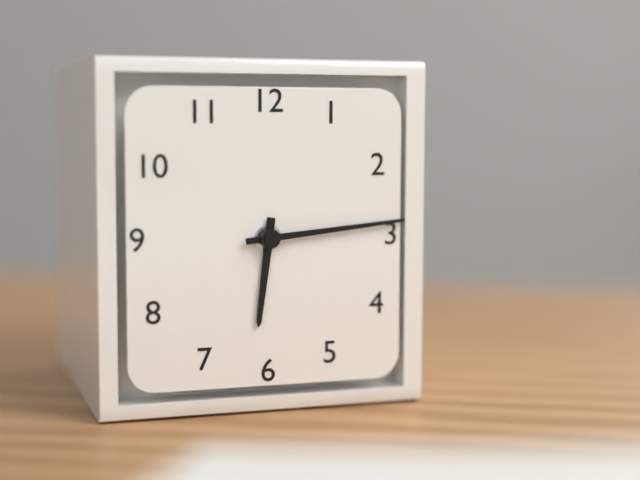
6.14
